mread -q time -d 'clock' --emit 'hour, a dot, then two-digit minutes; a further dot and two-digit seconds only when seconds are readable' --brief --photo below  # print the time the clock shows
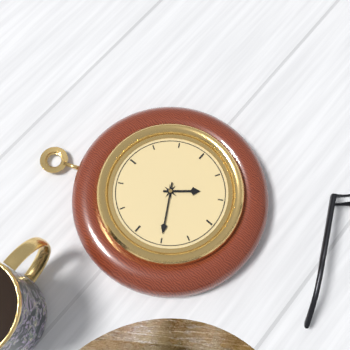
4.40
